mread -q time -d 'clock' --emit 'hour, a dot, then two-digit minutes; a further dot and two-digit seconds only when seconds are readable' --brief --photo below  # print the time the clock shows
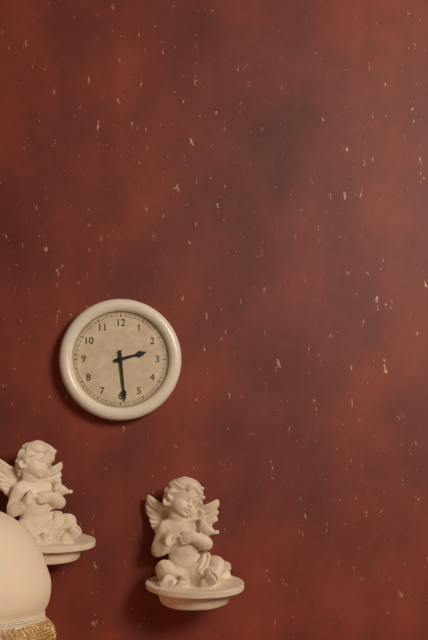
2.29
